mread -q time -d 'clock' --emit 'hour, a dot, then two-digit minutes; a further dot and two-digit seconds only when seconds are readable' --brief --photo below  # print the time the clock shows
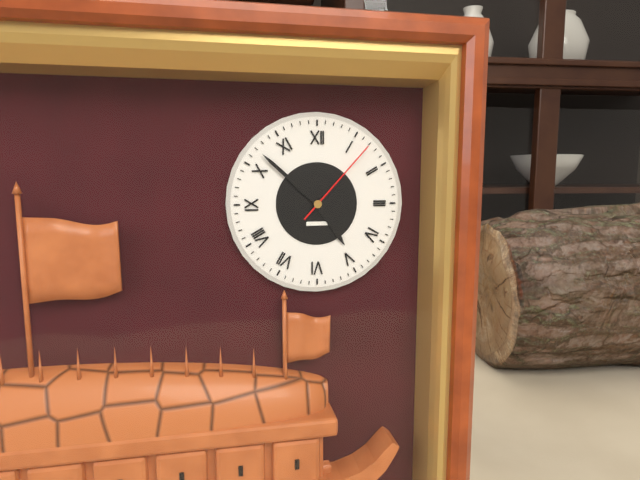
4.52.07
